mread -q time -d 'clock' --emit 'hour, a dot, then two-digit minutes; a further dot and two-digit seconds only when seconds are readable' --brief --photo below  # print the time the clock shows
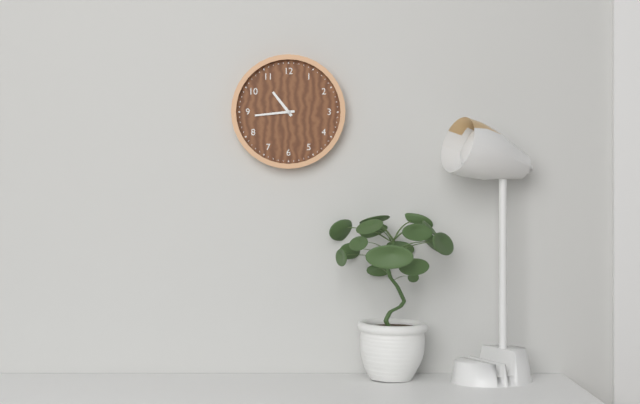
10.44
